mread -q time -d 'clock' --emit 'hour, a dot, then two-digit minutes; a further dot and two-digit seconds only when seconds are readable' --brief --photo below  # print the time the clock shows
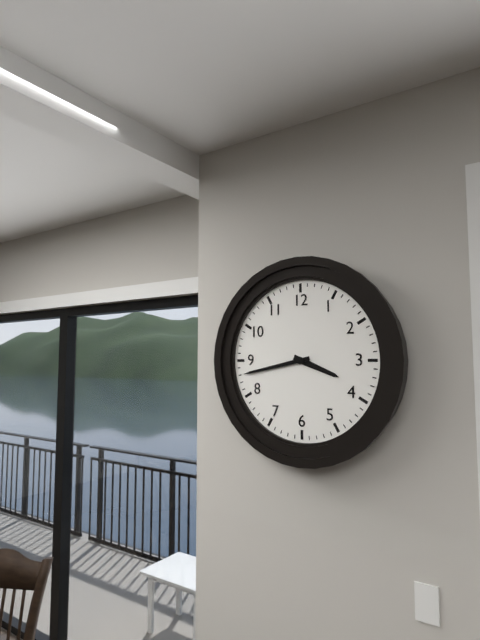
3.43
